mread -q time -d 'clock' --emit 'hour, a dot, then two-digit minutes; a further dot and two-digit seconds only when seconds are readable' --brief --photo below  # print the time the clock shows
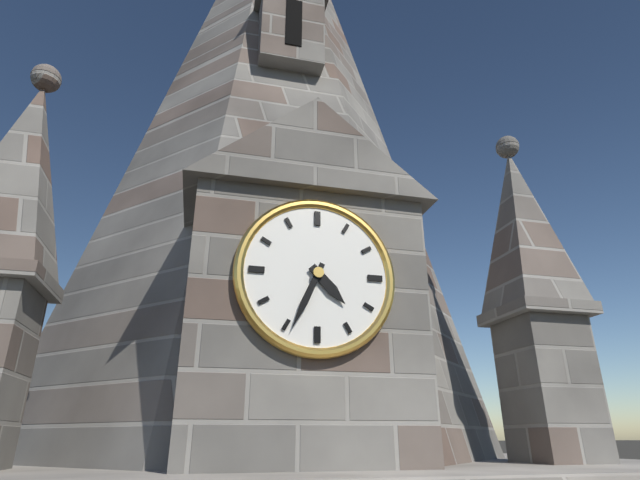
4.34
